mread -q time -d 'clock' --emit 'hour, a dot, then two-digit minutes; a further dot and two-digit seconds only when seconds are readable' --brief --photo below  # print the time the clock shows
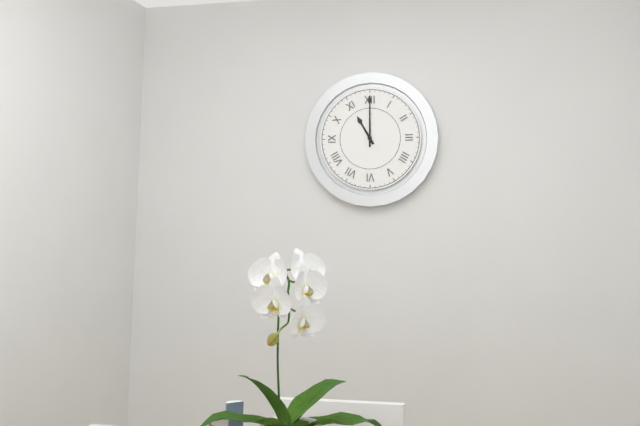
11.00
